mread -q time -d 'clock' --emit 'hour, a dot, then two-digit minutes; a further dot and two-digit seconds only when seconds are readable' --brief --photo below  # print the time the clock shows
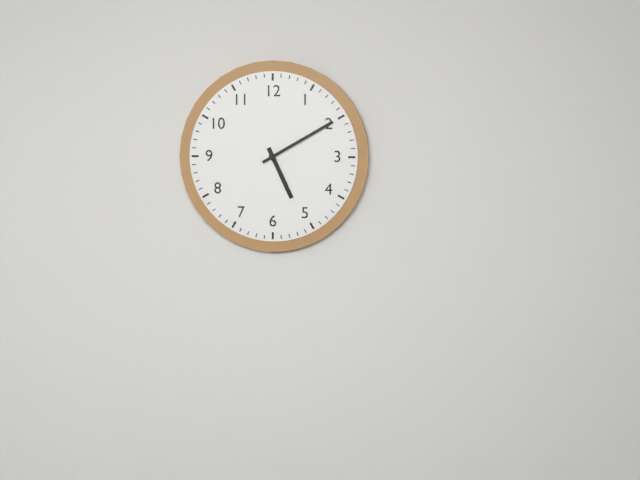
5.10
